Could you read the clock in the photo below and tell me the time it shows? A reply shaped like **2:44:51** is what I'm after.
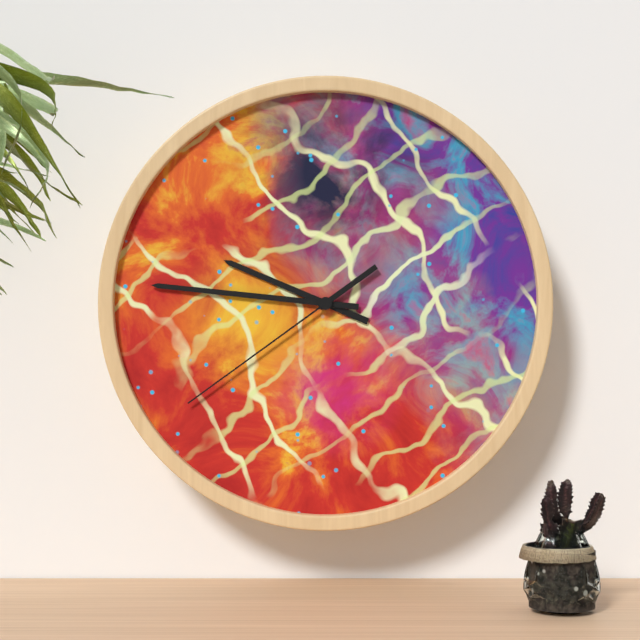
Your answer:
**9:46:39**
